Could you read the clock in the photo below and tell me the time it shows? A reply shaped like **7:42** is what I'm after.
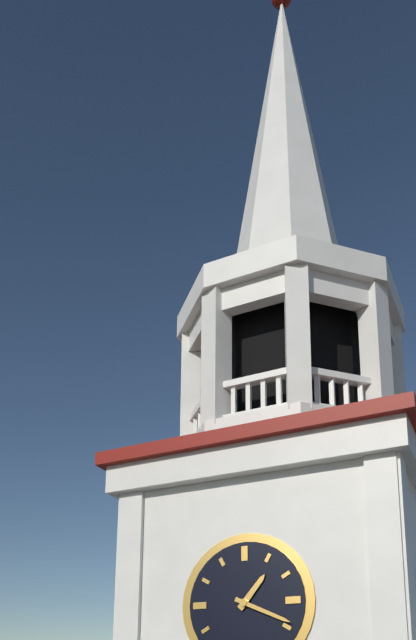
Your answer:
**1:19**
